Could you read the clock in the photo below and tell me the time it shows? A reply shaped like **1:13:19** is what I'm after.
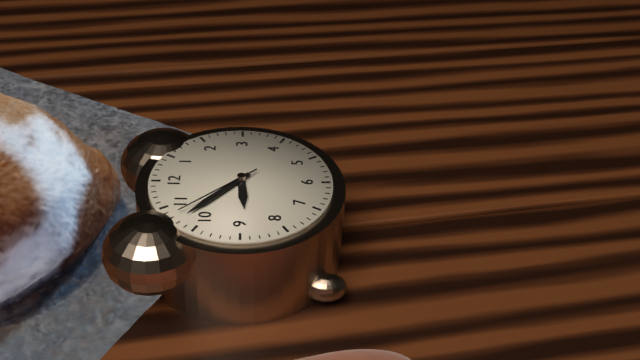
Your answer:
**8:52:53**
